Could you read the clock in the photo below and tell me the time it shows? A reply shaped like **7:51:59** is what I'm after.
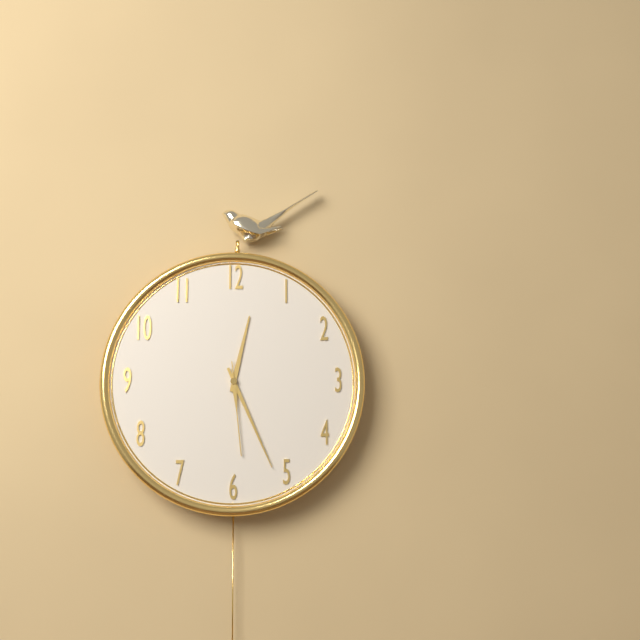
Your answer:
**12:26:29**
